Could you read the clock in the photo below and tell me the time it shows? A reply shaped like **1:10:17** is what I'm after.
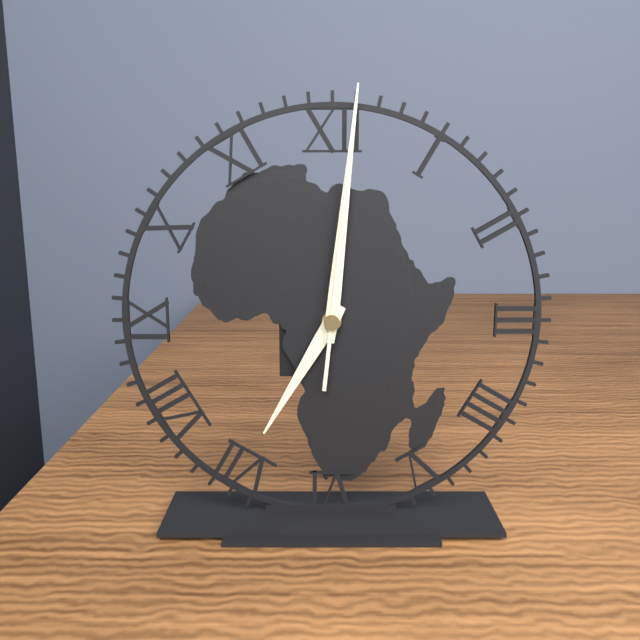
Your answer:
**7:01:01**
